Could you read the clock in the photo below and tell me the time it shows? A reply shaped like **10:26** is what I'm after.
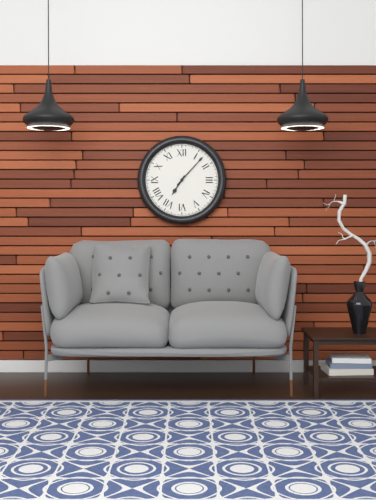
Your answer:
**7:07**
